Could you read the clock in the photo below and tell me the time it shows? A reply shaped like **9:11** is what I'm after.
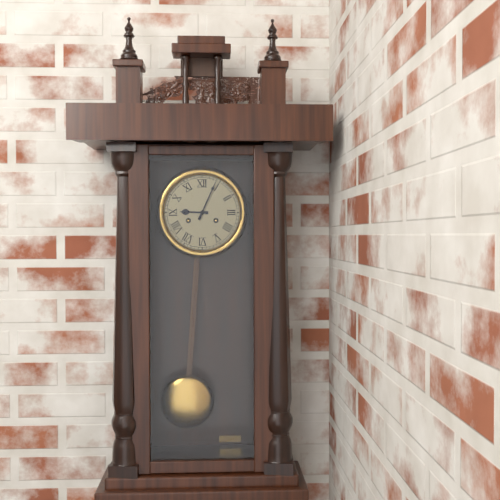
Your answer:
**9:04**
